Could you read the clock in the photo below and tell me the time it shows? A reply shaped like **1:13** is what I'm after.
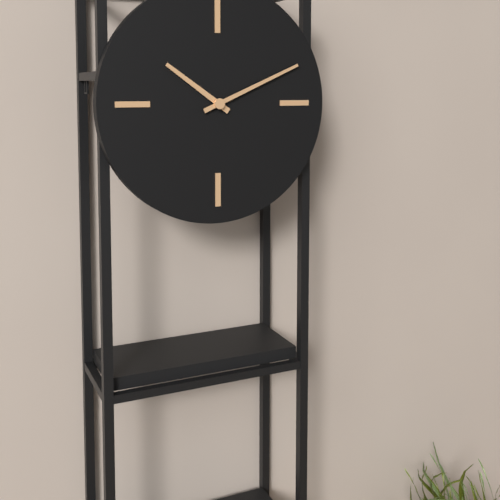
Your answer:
**10:11**
